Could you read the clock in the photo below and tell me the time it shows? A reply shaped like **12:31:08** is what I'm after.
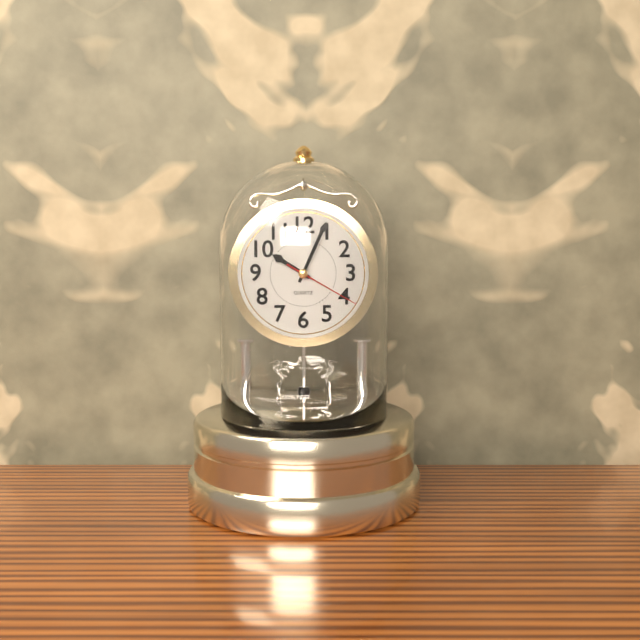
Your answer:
**10:04:20**
